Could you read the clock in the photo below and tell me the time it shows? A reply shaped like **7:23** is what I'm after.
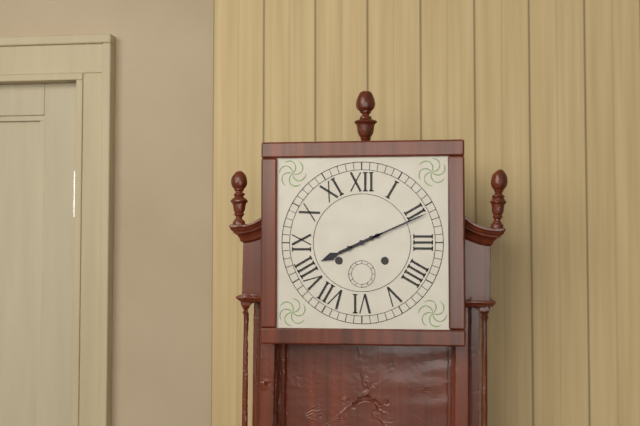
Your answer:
**8:11**
